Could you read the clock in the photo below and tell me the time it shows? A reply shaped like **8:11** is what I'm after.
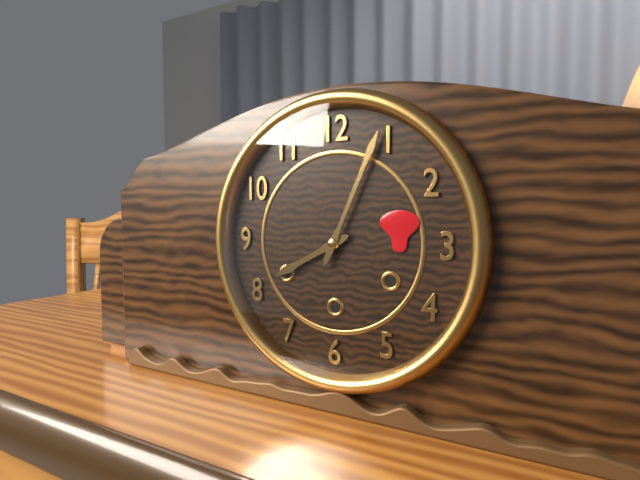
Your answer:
**8:04**
